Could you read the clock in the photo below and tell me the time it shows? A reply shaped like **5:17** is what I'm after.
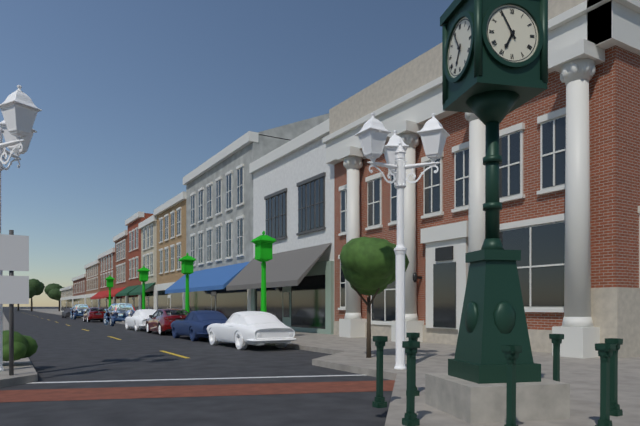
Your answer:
**6:55**
